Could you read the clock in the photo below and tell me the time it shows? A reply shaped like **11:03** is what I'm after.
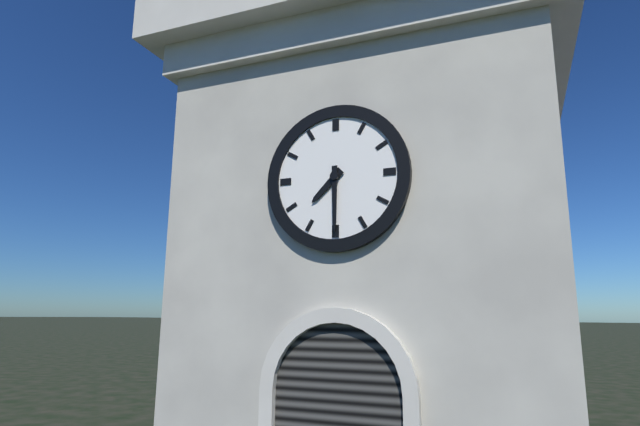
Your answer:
**7:30**
